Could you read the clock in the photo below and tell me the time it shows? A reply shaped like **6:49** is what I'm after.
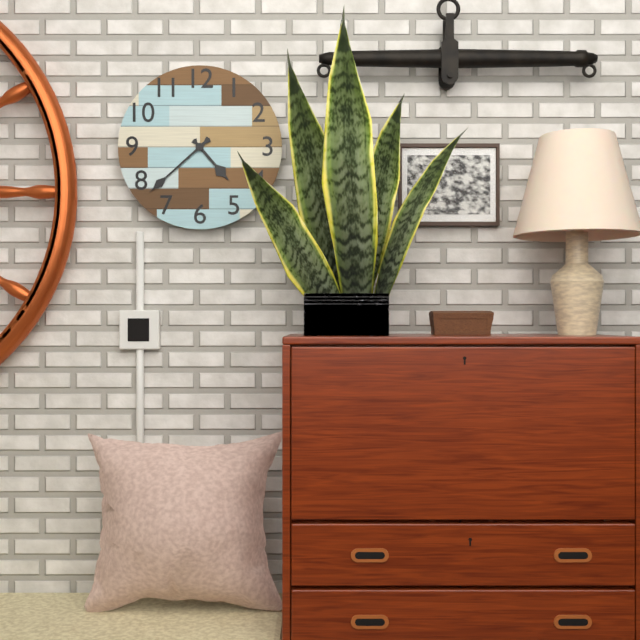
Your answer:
**4:38**
